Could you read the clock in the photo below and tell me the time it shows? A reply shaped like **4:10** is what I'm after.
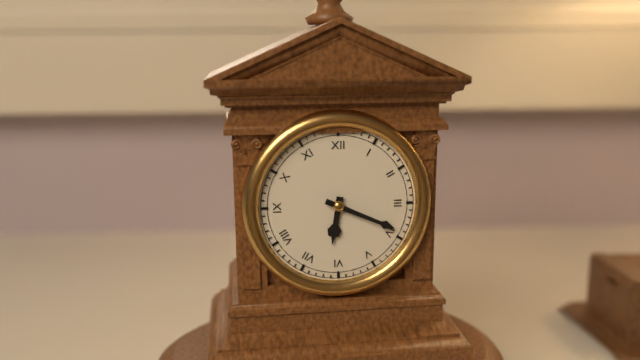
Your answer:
**6:19**
